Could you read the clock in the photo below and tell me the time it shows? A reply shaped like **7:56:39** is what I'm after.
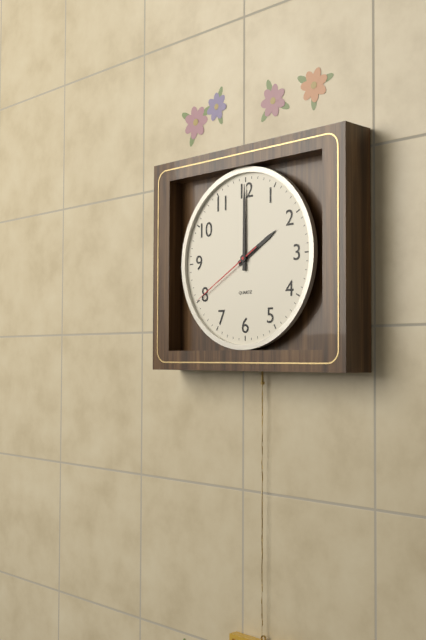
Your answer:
**2:00:40**
